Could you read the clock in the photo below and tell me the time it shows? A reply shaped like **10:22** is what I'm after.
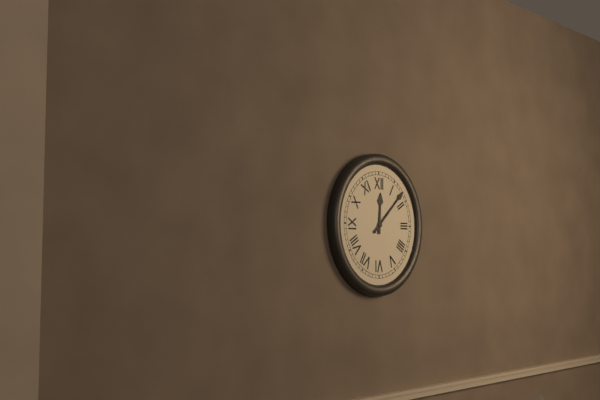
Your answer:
**12:08**
